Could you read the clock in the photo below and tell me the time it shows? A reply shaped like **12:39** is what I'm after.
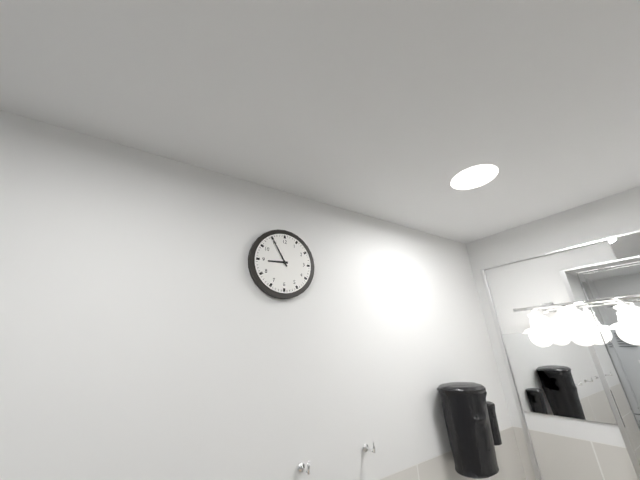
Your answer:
**8:55**
